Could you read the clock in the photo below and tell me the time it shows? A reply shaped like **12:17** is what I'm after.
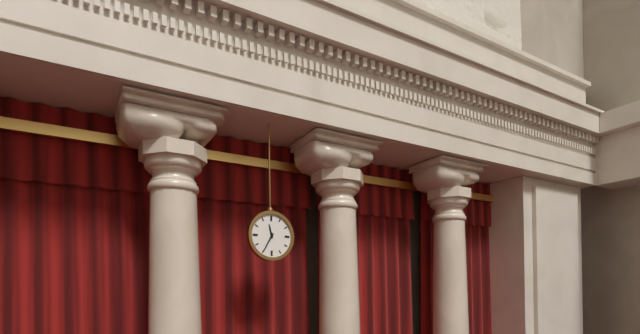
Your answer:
**11:35**
